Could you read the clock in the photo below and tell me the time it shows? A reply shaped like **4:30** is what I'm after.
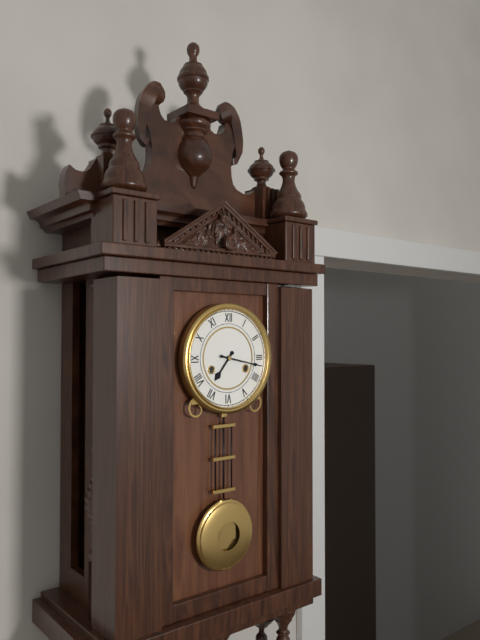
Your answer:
**7:17**
